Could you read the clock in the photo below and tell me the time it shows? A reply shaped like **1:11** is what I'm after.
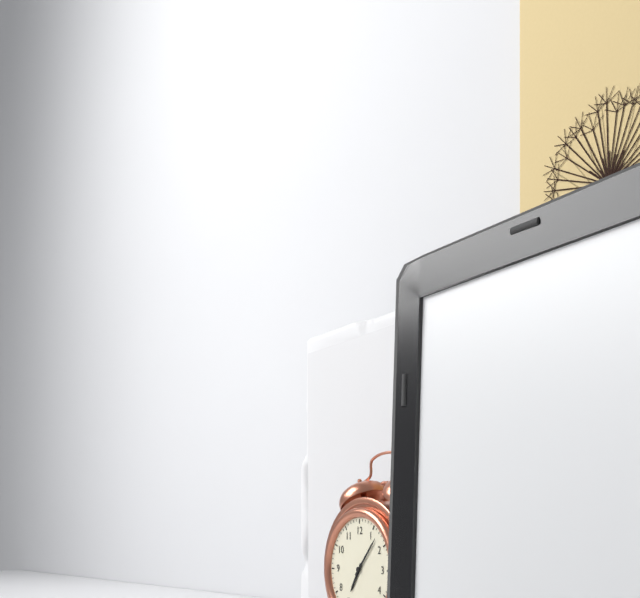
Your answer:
**7:07**
